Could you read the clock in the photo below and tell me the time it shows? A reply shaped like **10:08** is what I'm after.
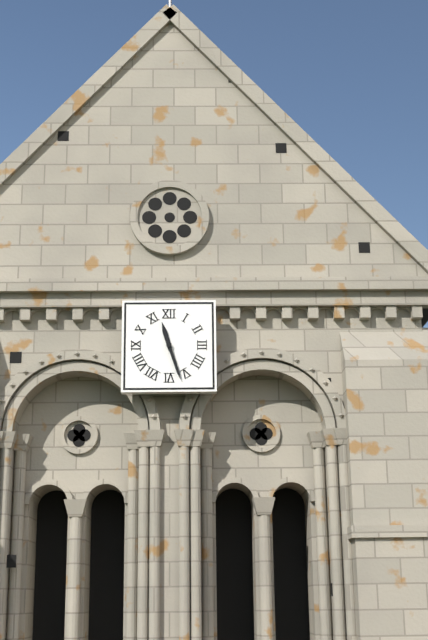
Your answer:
**11:27**
